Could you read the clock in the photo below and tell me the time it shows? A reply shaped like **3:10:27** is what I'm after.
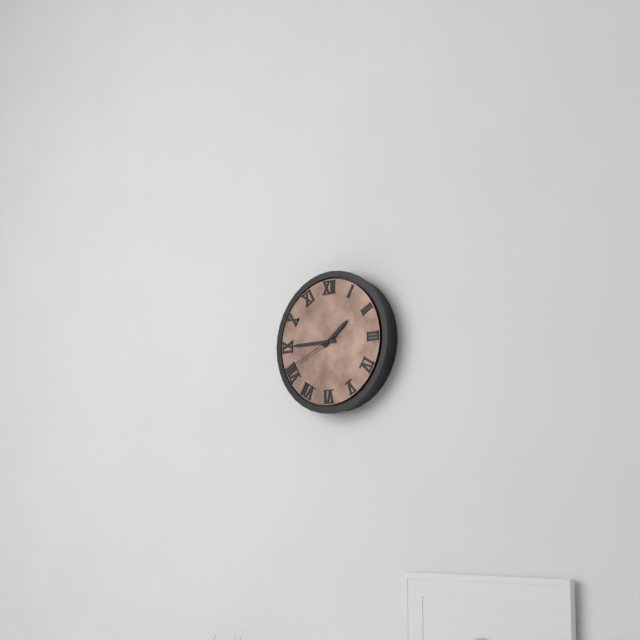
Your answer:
**1:45:41**
